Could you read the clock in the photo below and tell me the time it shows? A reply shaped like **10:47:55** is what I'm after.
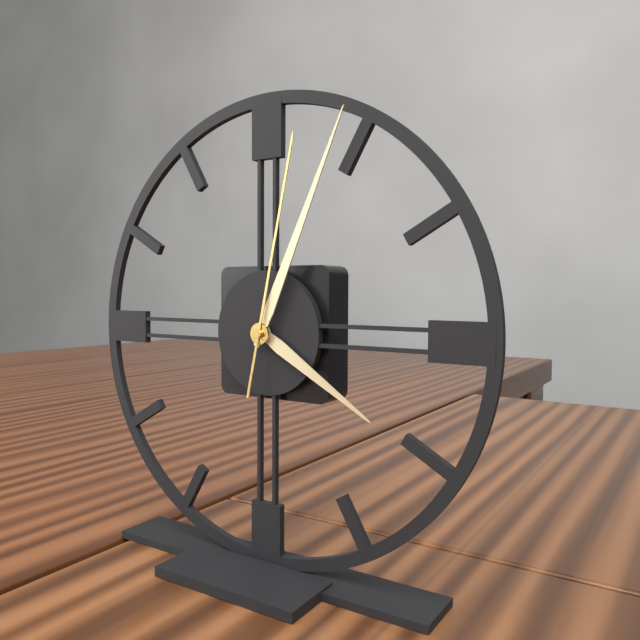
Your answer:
**4:04:02**
